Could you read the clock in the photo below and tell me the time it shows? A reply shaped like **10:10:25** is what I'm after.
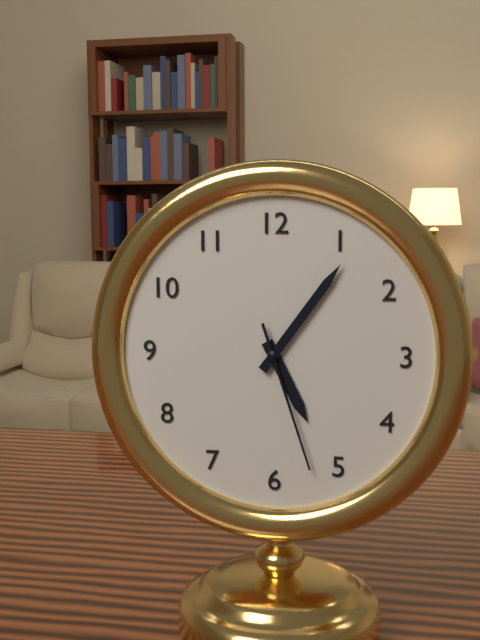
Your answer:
**5:06:27**
